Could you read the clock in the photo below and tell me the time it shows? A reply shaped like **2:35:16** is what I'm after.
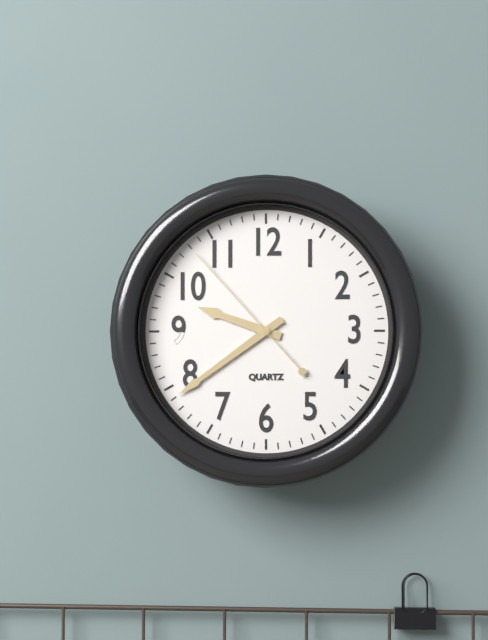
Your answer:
**9:39:53**
